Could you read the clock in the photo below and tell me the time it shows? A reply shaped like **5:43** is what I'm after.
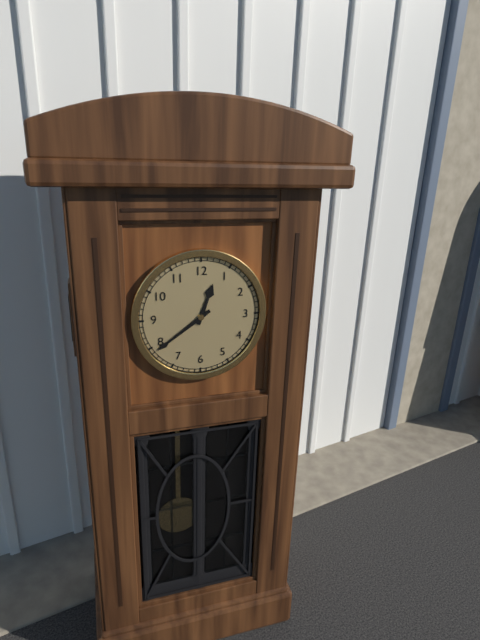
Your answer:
**12:39**
